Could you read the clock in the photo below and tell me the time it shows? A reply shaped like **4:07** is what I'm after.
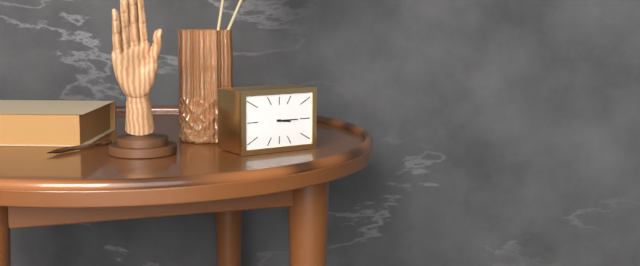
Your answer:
**3:15**
